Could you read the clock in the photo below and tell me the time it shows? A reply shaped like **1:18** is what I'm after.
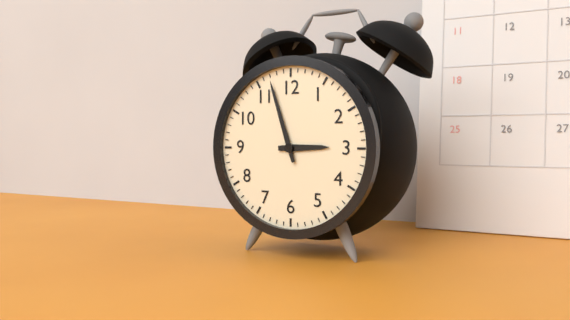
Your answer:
**2:57**
